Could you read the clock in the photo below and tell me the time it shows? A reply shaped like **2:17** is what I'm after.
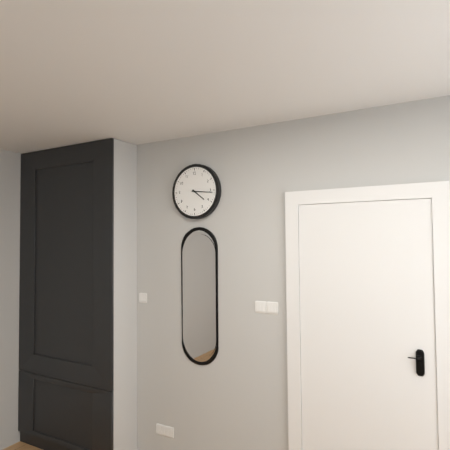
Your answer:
**4:16**
